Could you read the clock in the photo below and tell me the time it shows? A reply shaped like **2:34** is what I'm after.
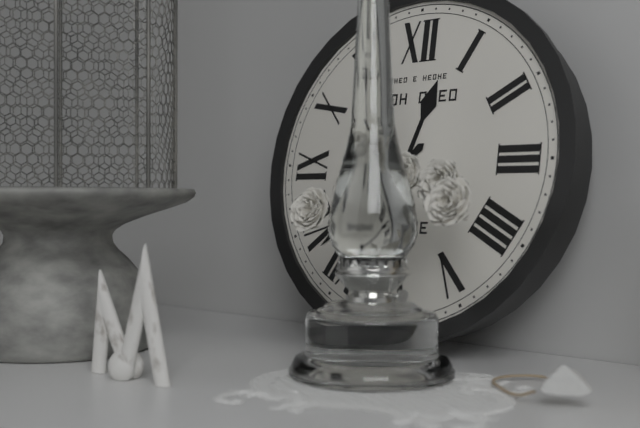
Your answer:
**12:38**
